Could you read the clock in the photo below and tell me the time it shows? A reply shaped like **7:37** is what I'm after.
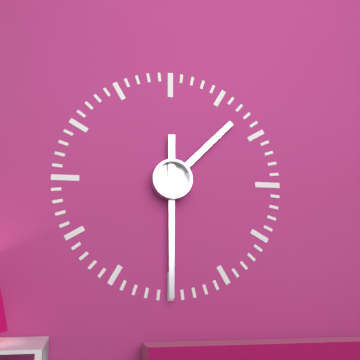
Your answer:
**1:30**
